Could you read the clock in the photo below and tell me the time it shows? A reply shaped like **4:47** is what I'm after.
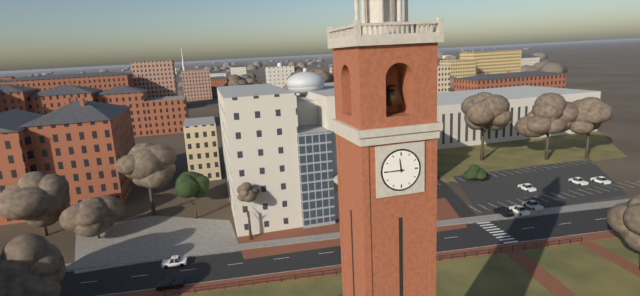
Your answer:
**11:45**
